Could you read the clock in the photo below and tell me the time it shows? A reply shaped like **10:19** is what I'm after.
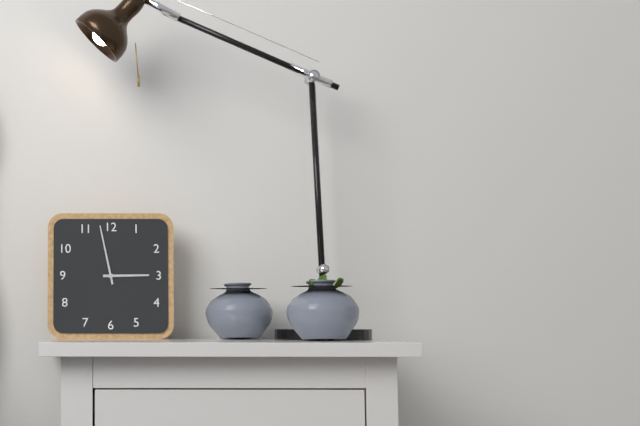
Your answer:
**2:58**
